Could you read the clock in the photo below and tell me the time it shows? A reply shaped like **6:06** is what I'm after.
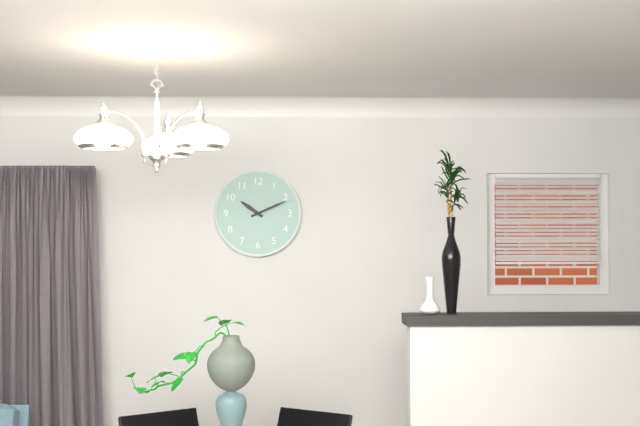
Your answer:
**10:11**
